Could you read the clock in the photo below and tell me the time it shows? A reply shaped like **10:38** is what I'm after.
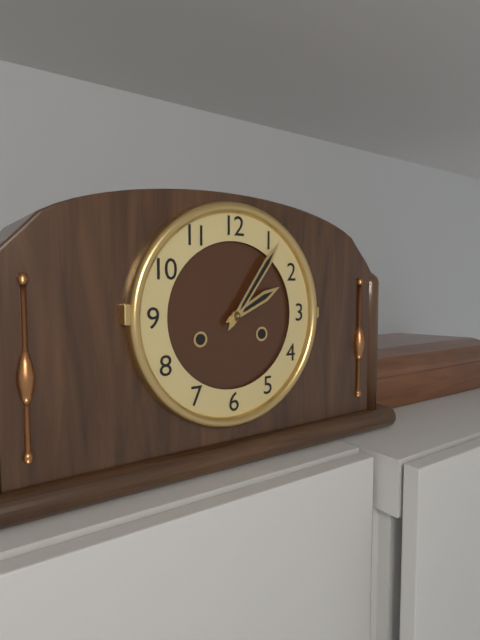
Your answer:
**2:06**
